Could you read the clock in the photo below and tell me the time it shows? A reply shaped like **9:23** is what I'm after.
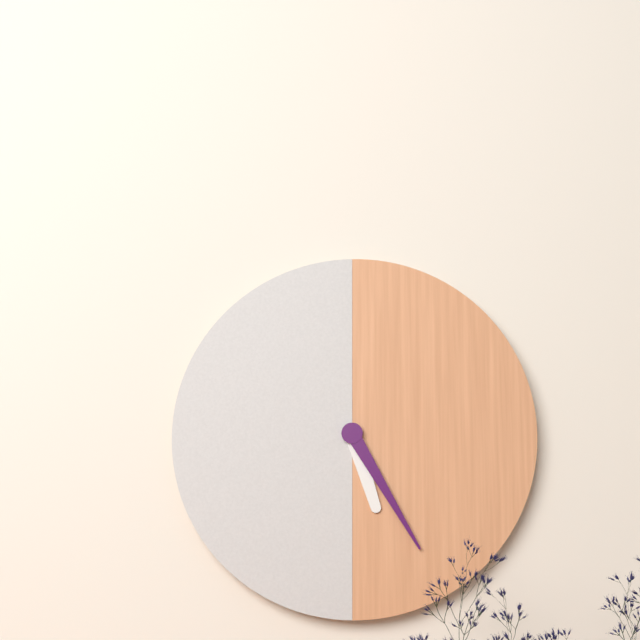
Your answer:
**5:25**
